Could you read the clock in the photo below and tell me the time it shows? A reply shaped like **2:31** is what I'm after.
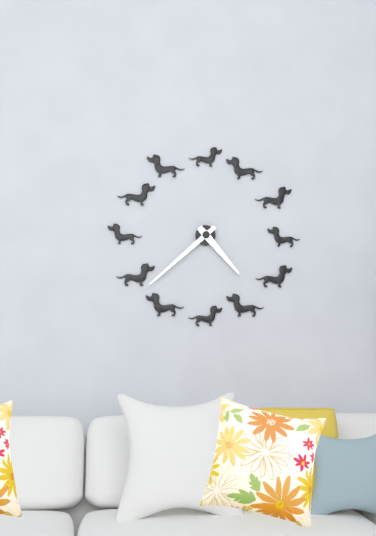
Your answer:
**4:38**
